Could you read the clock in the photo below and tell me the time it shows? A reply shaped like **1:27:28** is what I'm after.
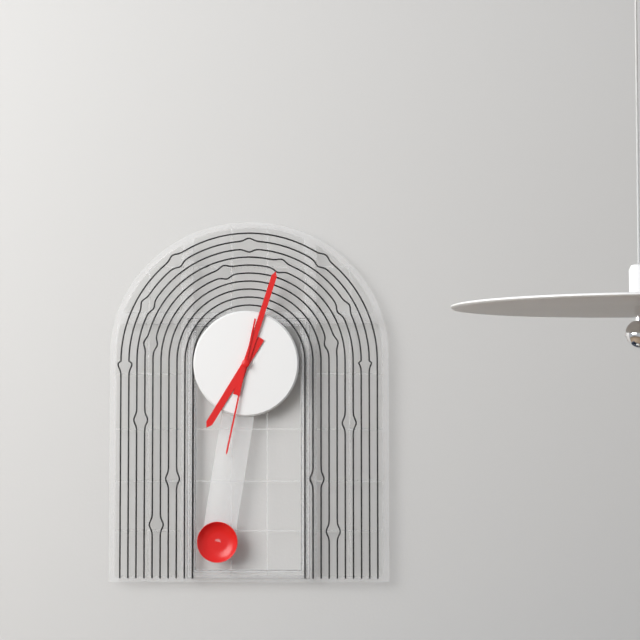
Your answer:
**7:03:32**
